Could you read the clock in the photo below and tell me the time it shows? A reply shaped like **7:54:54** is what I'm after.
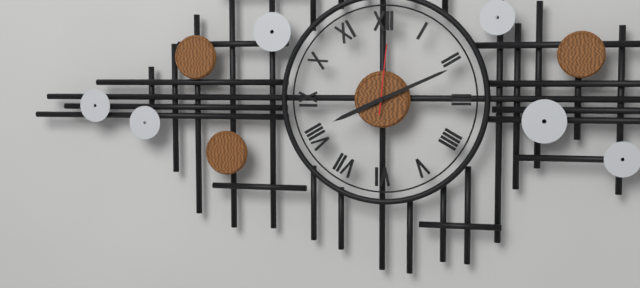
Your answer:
**8:11:01**
